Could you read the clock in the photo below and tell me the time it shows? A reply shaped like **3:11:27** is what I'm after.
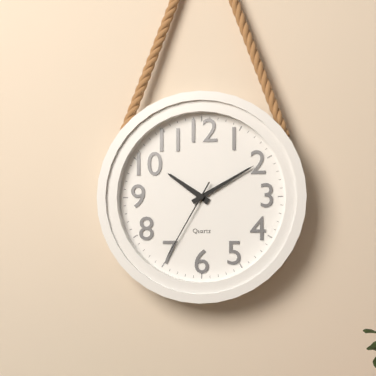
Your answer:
**10:10:35**
